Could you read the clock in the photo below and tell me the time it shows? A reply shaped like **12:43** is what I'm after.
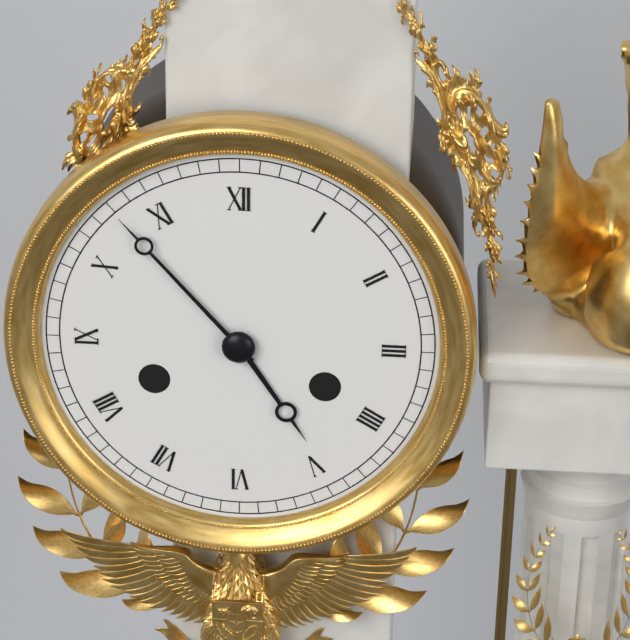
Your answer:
**4:53**
